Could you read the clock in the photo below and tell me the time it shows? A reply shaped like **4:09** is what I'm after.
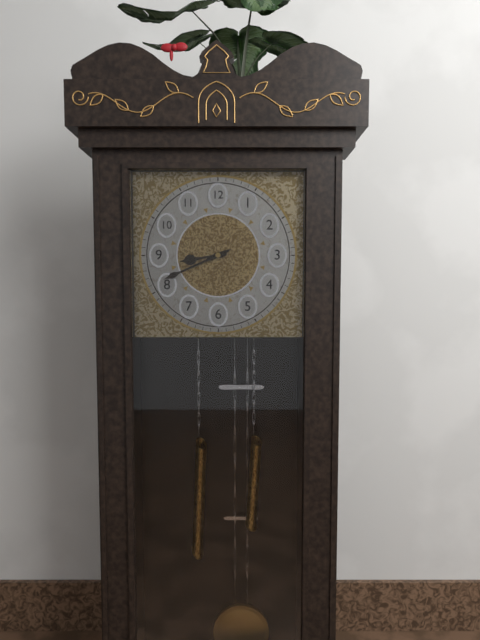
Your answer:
**8:41**
